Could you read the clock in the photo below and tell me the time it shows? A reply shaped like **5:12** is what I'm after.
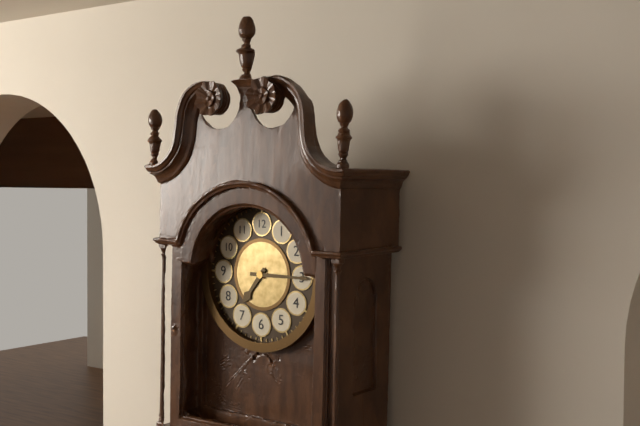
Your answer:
**7:15**
